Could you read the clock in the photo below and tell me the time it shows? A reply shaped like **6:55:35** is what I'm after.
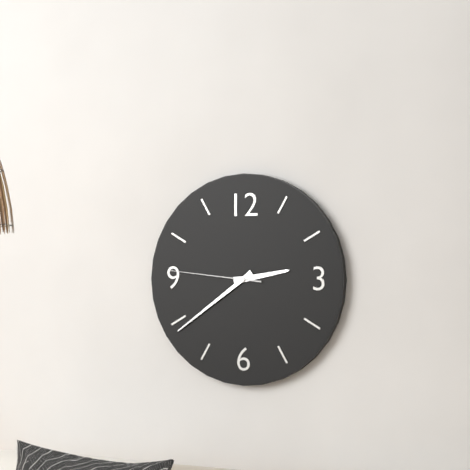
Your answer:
**2:39:46**
